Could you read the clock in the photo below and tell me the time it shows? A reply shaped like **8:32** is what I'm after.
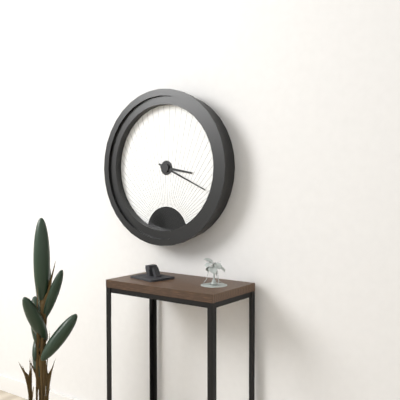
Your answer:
**3:19**
